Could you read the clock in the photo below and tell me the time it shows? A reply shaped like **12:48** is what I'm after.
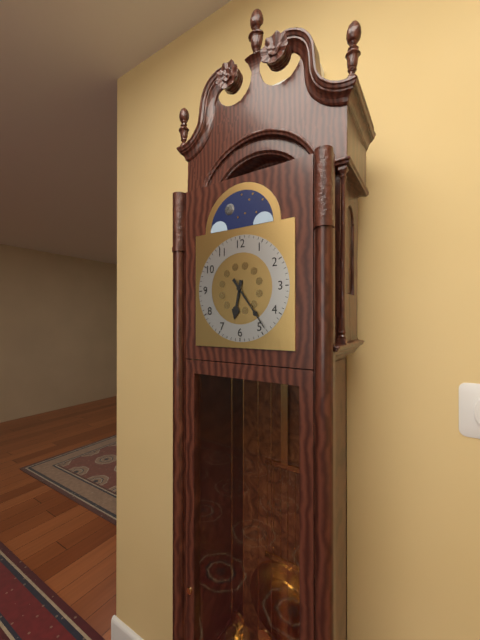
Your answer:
**6:24**
